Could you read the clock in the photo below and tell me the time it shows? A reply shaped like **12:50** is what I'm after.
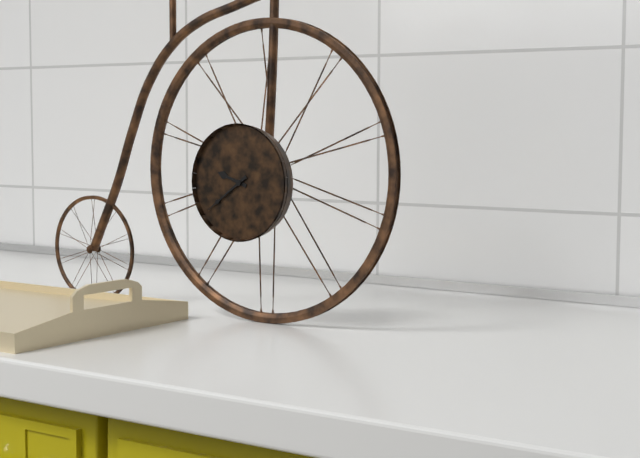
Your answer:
**9:39**
